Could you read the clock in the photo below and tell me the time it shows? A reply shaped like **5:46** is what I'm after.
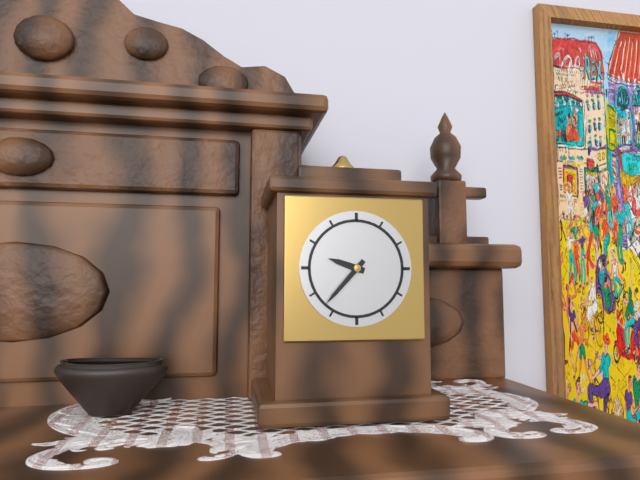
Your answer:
**9:37**
